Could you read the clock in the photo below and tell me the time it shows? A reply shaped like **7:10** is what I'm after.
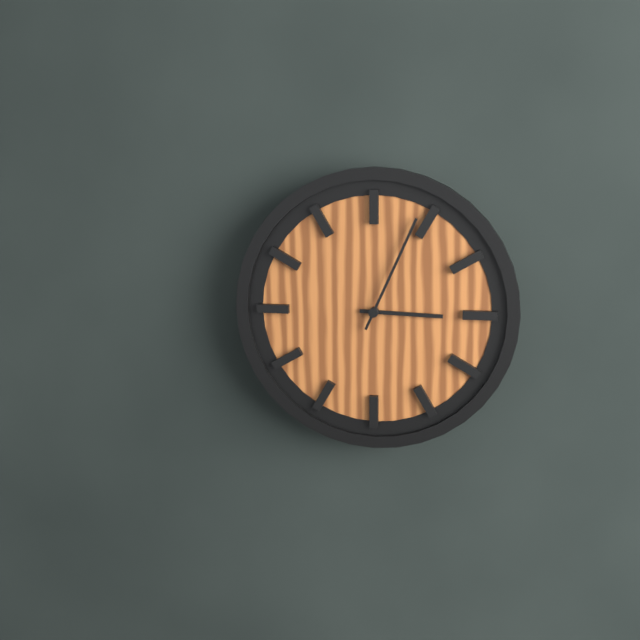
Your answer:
**3:04**
